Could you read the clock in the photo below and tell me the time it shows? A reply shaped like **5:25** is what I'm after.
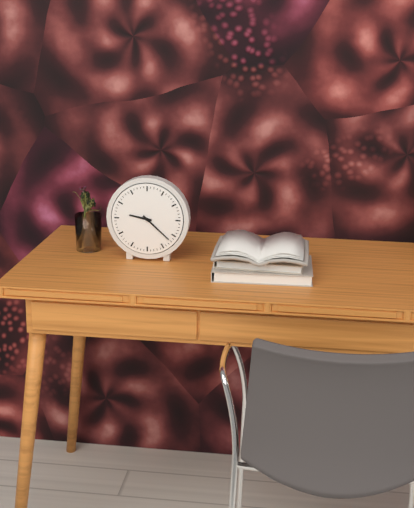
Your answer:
**9:22**
